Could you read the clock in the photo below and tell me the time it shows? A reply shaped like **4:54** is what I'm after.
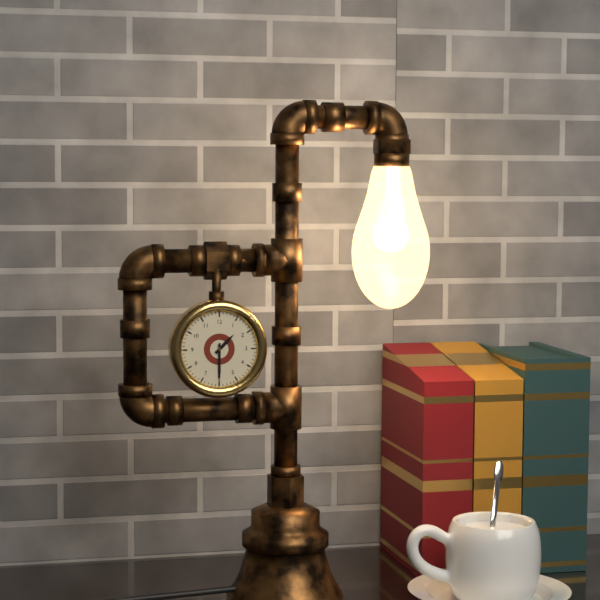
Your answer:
**1:30**
